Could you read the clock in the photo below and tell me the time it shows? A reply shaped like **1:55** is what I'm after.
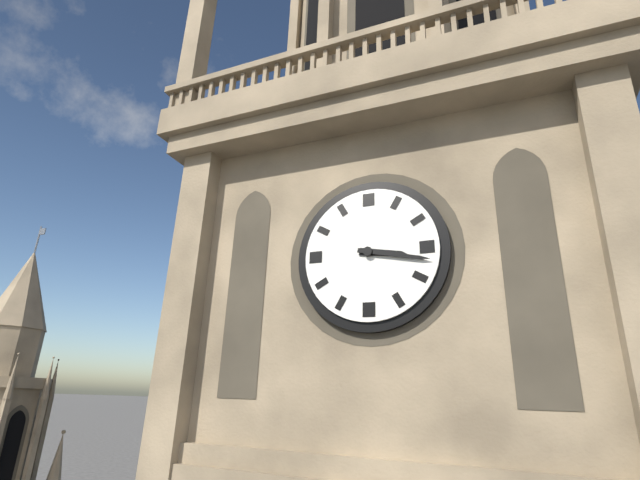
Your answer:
**3:17**
